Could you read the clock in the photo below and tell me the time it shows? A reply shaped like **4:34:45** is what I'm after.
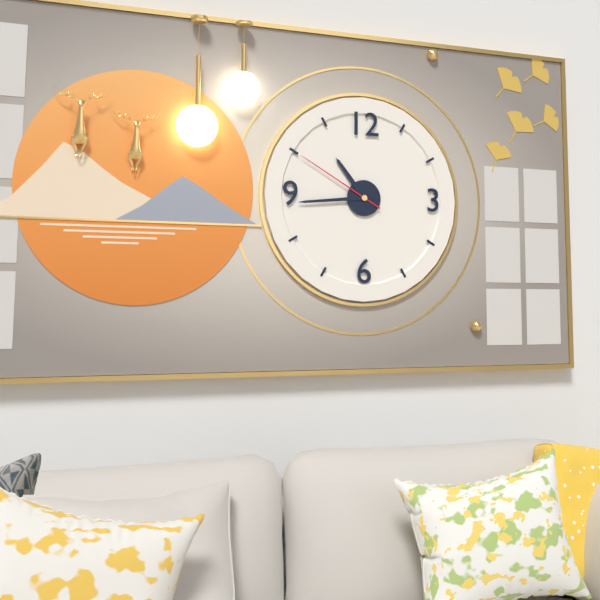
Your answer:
**10:44:50**
